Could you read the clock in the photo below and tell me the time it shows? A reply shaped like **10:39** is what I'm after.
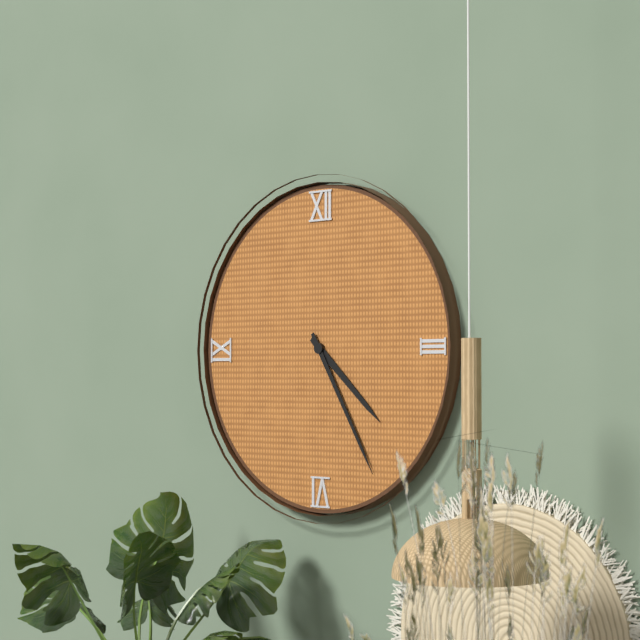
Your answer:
**4:25**
